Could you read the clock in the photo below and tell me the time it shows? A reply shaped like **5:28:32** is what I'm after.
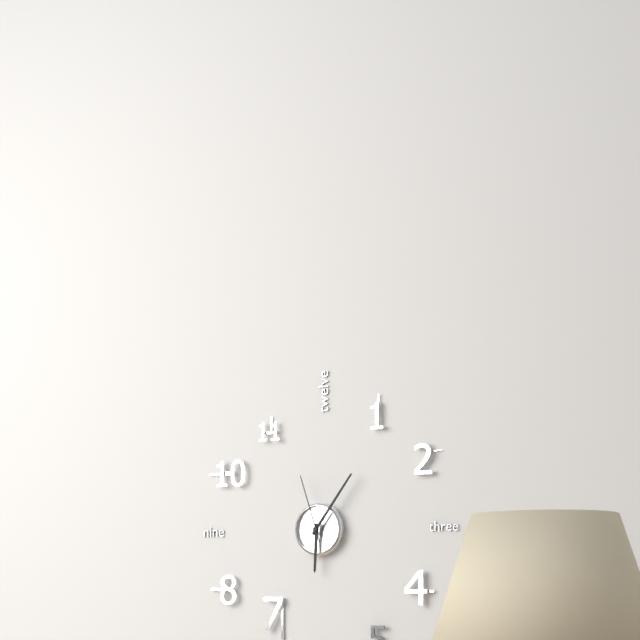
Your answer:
**6:06:57**
